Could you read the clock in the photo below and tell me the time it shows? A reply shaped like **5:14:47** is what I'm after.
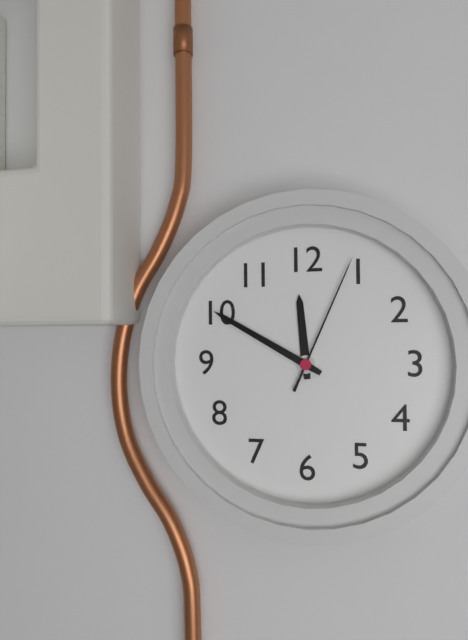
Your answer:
**11:50:04**
